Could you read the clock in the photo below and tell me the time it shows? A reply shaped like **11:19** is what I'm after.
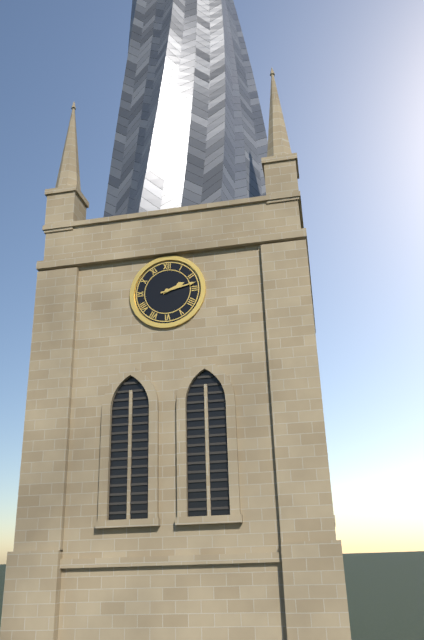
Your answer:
**2:13**
